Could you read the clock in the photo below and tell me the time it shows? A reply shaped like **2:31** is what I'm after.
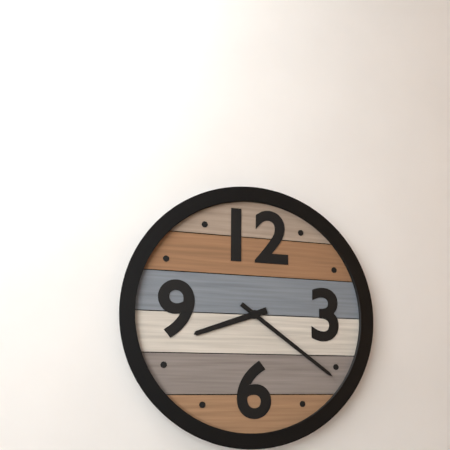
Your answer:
**8:21**
